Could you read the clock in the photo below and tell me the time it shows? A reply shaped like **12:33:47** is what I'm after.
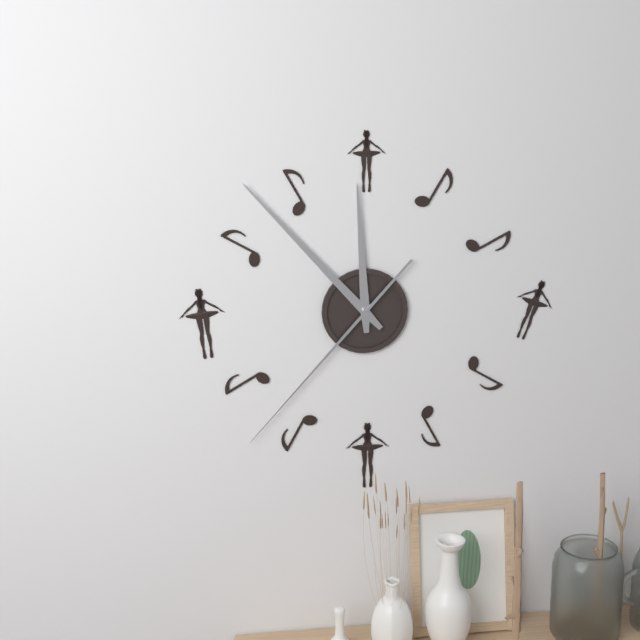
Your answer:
**11:53:37**
